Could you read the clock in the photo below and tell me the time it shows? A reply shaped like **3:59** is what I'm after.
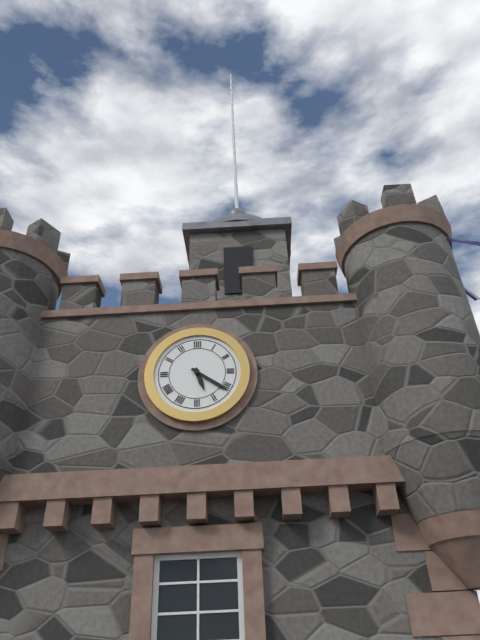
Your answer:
**5:21**
